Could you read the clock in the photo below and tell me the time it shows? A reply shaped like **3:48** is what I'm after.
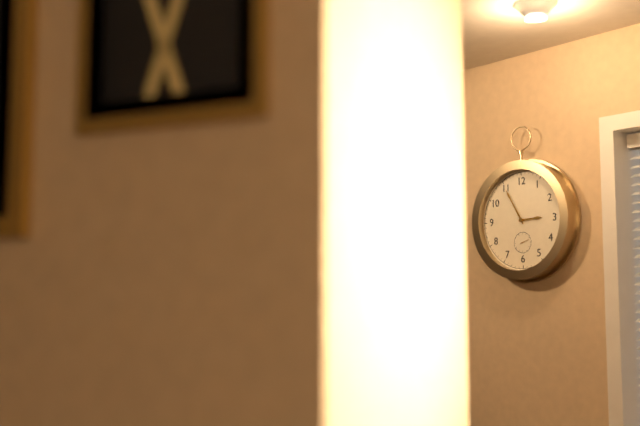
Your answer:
**2:55**
